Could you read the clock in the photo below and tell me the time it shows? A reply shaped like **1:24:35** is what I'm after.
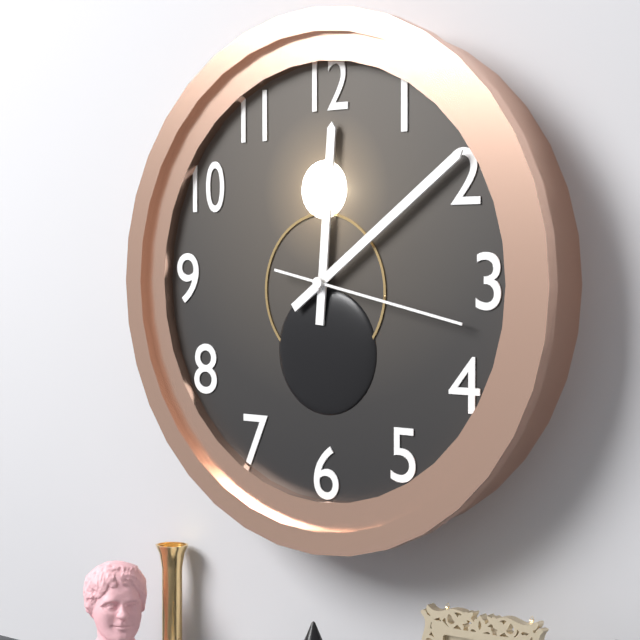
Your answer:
**12:09:17**
